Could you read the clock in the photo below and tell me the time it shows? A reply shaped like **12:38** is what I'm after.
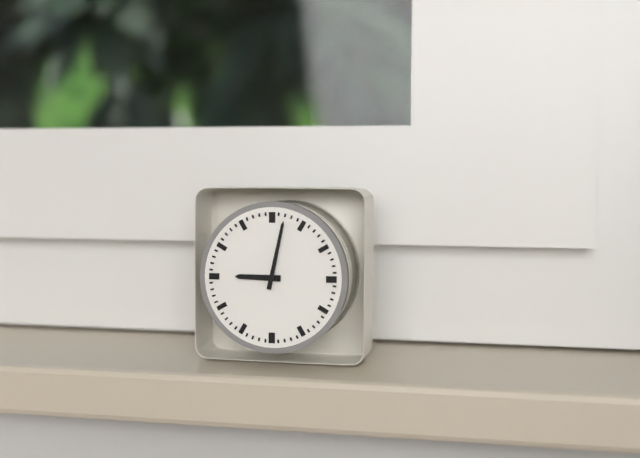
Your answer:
**9:02**
